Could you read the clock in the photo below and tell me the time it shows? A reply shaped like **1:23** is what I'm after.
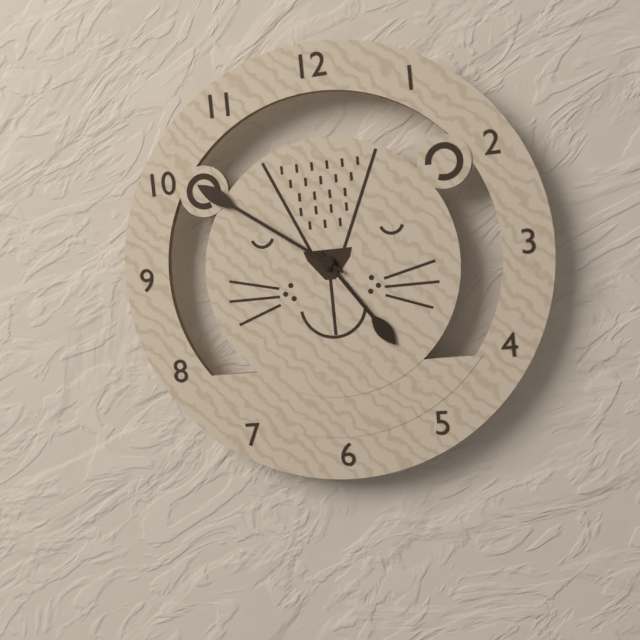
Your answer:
**4:51**
